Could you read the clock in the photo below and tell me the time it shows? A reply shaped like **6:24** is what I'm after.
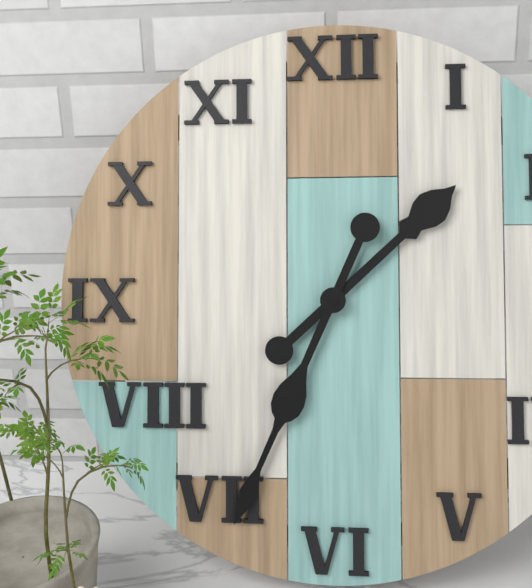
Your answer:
**1:34**
